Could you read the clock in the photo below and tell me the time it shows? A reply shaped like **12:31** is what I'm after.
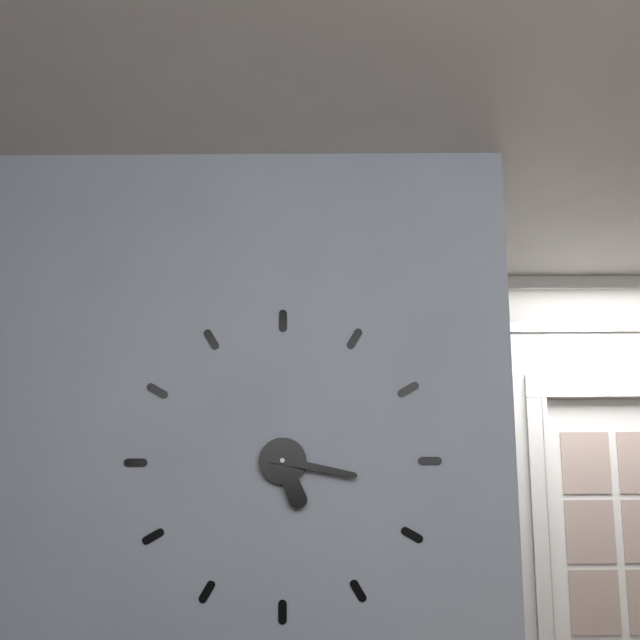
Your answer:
**5:17**
